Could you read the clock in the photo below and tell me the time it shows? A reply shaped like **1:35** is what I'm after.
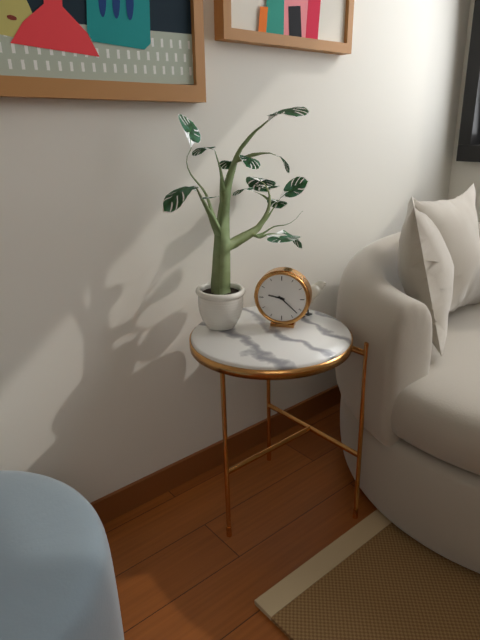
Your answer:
**9:22**
